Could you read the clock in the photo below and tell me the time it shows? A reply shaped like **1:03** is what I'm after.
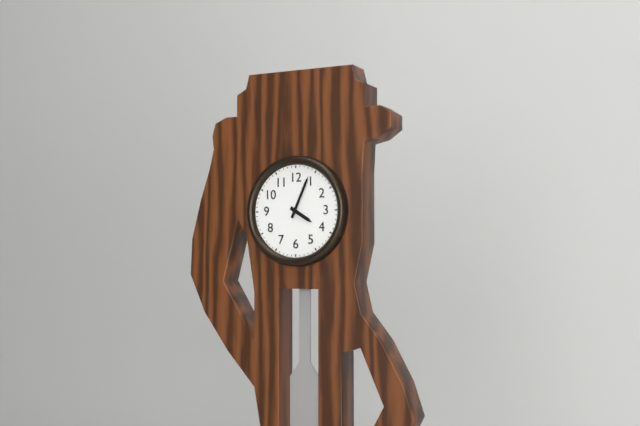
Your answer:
**4:04**
